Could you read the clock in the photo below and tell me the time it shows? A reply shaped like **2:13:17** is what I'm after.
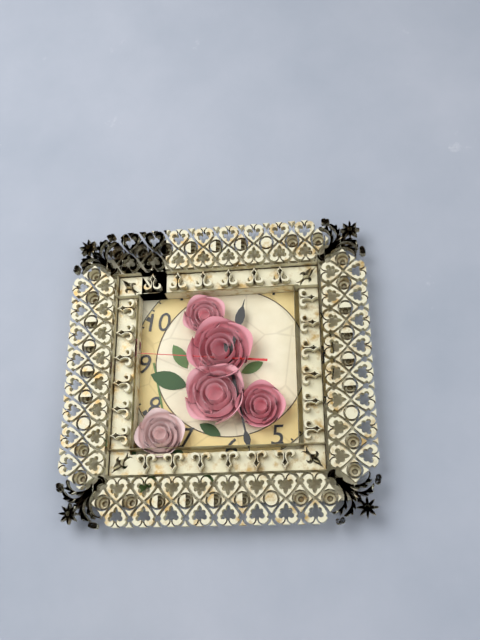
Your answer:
**12:28:46**
